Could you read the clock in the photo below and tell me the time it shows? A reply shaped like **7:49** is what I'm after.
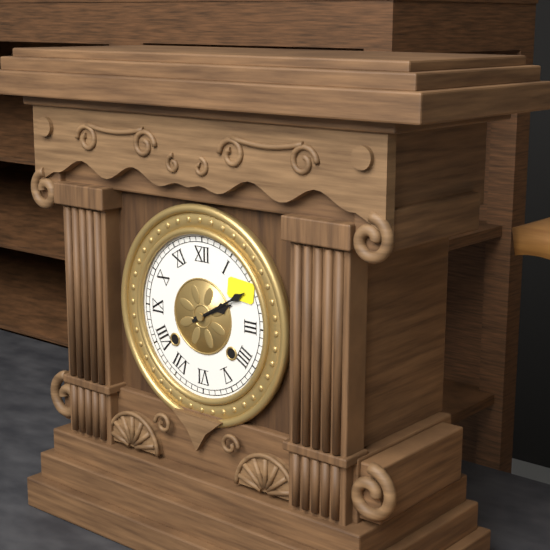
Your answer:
**2:10**
